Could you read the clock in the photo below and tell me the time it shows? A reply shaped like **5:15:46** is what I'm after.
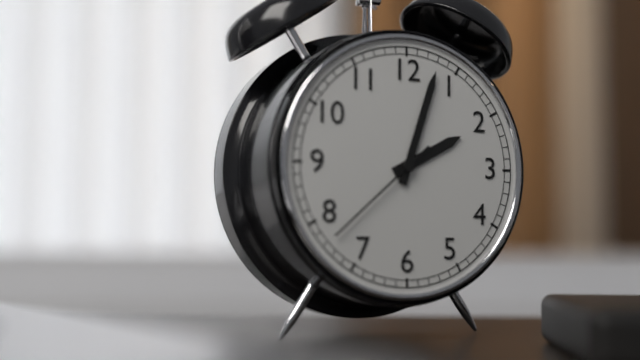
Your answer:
**2:03:38**
